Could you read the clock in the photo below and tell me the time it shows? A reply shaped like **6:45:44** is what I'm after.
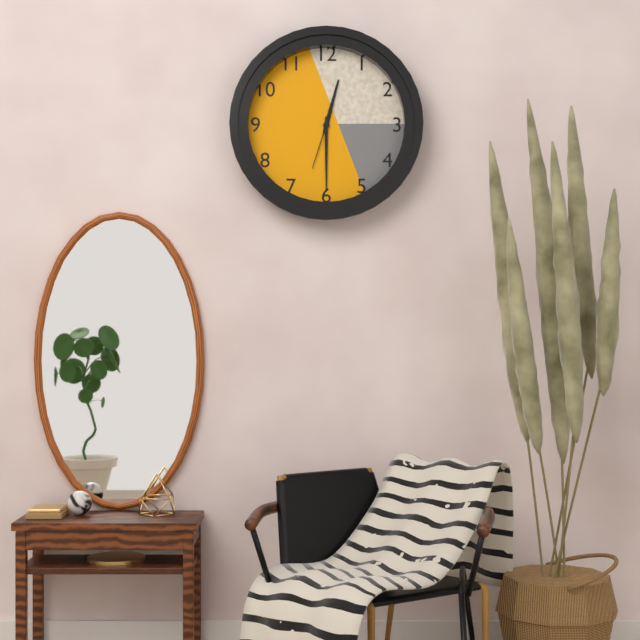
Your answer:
**12:30:33**
